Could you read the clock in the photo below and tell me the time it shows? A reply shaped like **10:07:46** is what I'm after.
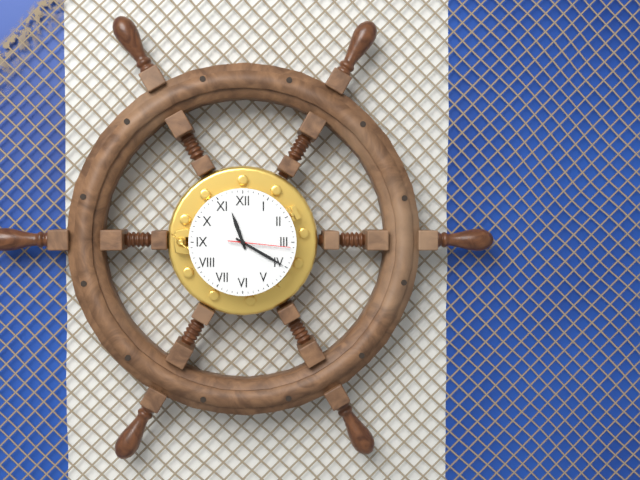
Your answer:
**11:20:16**
